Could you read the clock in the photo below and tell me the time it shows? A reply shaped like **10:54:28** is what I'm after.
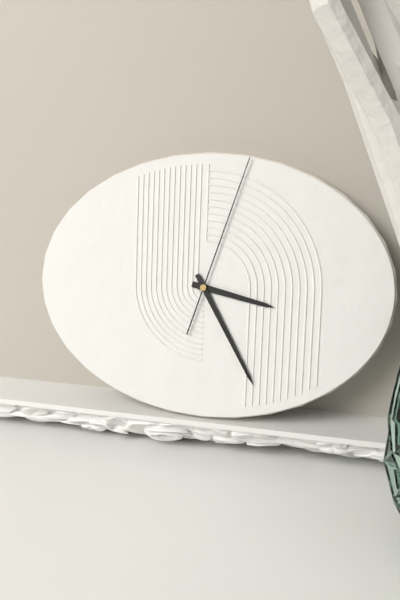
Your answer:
**3:25:03**
